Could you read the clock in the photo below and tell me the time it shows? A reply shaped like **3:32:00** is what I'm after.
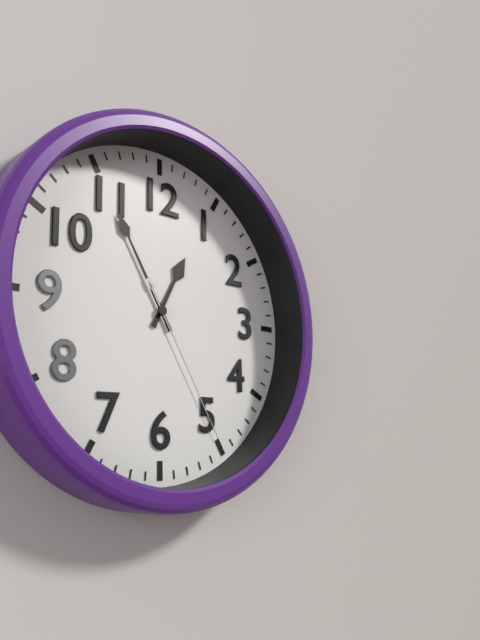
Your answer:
**12:55:25**
